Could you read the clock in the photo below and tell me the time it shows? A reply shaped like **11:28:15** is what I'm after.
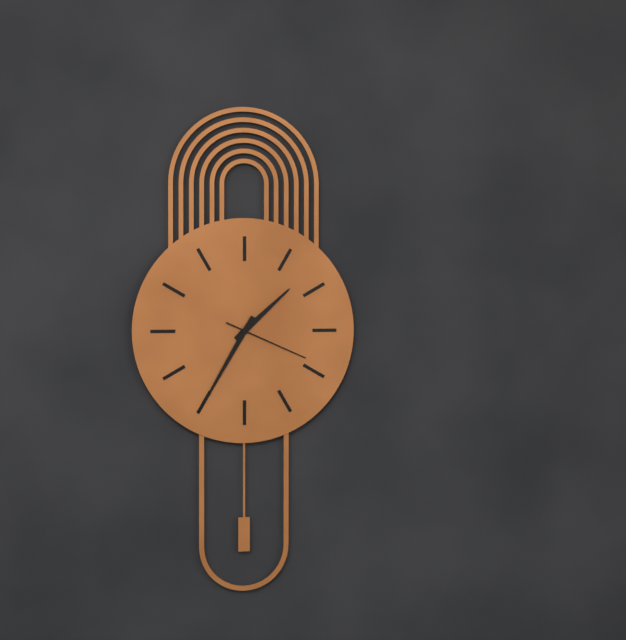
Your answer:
**1:35:19**
